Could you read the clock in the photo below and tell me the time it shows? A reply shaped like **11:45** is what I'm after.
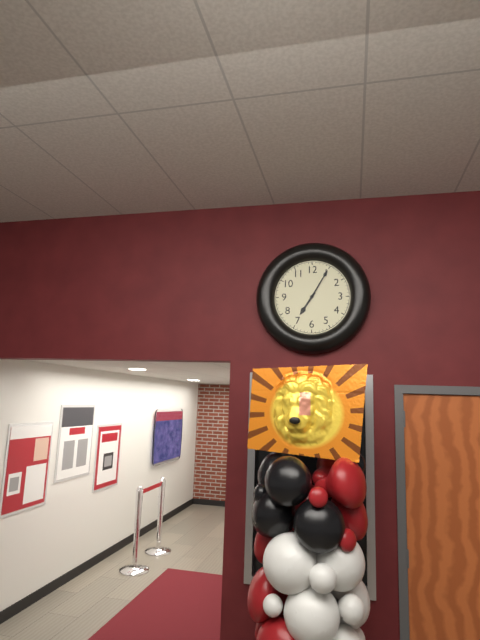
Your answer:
**7:05**
